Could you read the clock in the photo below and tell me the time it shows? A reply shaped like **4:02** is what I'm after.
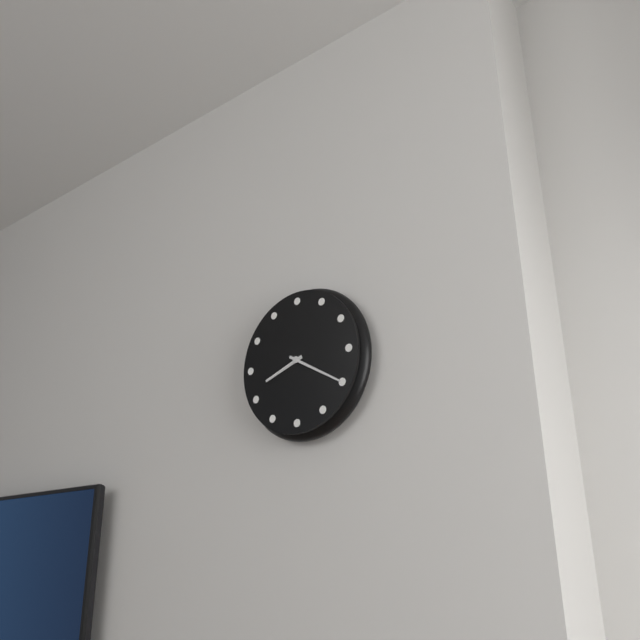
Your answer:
**8:20**
